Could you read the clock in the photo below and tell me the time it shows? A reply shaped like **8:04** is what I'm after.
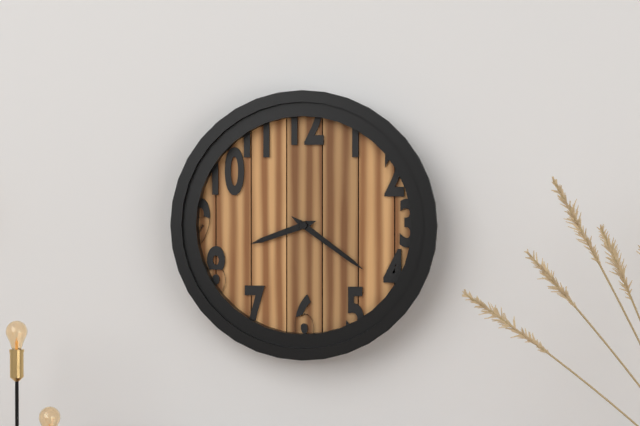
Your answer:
**8:21**
